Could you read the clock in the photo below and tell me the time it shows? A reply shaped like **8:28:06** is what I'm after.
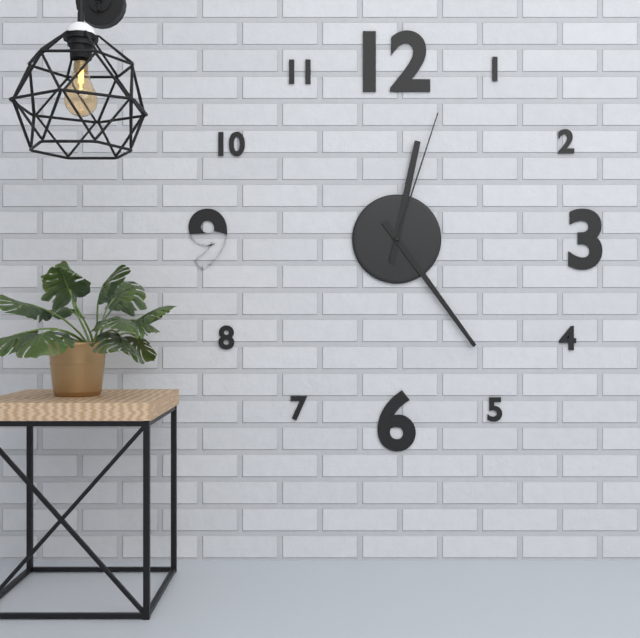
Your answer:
**12:24:03**
